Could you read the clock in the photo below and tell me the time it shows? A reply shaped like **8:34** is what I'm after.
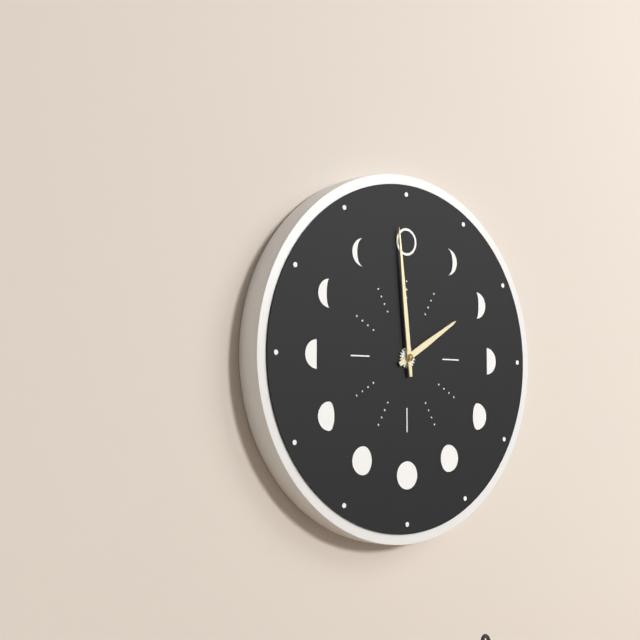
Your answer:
**1:59**
